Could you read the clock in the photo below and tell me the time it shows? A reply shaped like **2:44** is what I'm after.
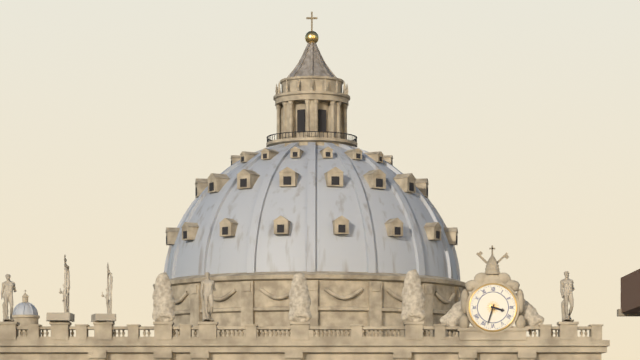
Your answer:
**3:33**
